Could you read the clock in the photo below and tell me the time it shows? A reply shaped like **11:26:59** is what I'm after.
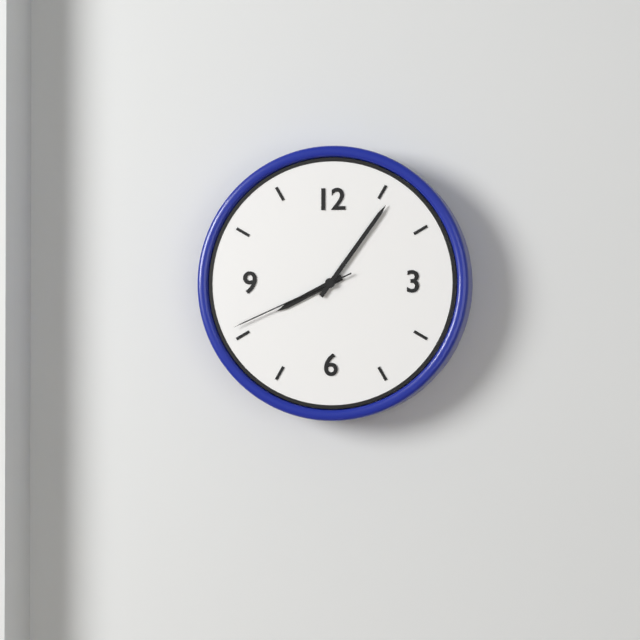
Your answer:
**8:06:41**
